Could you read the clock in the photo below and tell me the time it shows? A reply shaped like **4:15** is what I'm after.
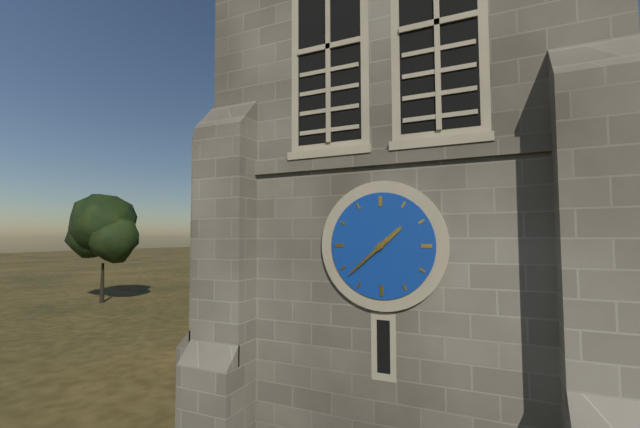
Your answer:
**1:38**
